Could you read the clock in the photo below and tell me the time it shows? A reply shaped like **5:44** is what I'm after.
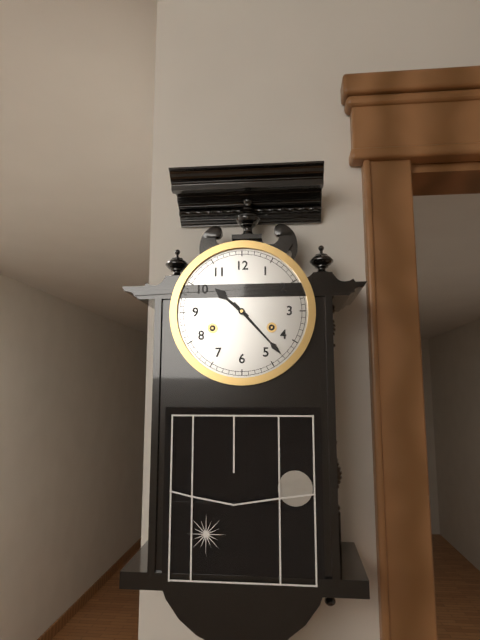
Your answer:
**10:23**
